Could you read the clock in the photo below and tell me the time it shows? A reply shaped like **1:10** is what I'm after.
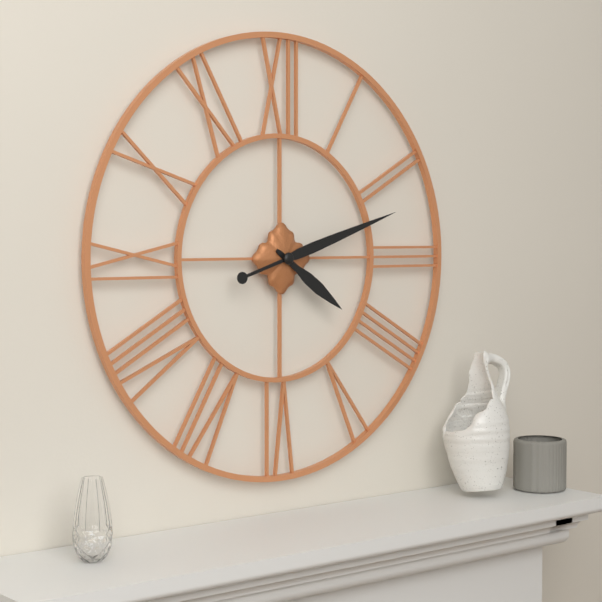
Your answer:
**4:12**
